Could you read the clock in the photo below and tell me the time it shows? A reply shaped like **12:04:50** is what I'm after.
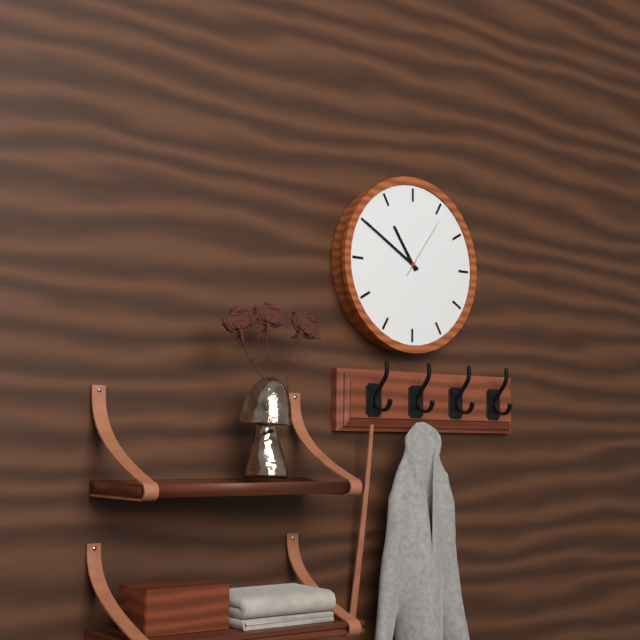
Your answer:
**10:50:06**
